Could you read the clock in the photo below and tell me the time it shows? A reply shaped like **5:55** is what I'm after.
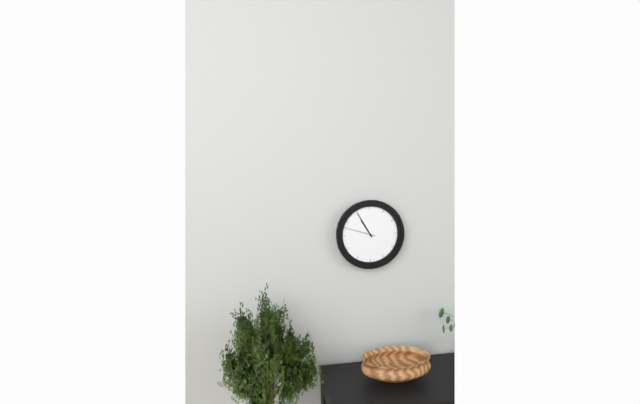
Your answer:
**10:55**
